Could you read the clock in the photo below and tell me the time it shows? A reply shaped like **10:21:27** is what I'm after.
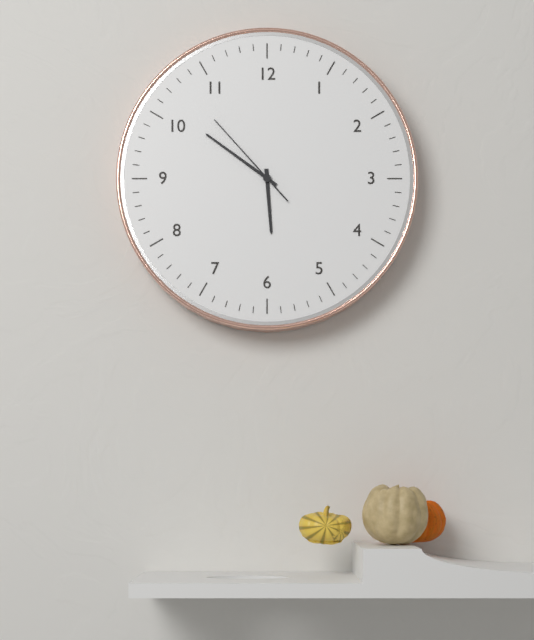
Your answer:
**5:51:53**
